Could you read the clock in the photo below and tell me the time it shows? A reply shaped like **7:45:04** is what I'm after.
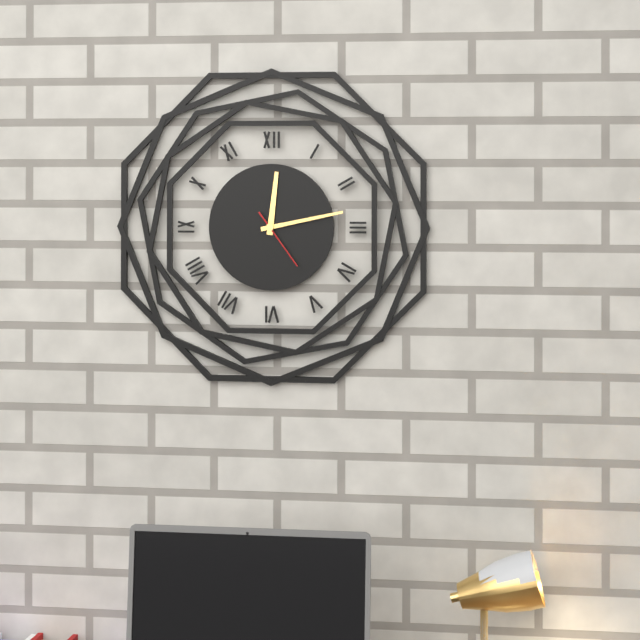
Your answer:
**12:13:24**
